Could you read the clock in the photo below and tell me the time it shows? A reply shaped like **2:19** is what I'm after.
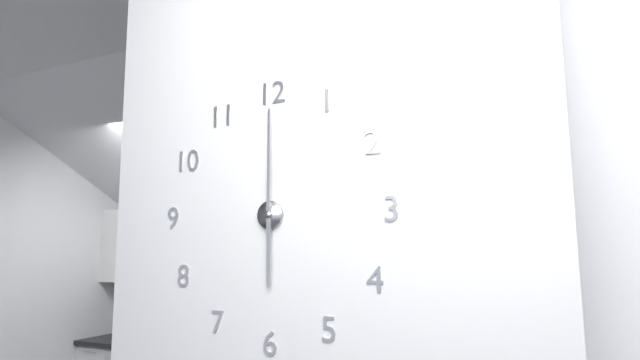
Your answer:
**6:00**
